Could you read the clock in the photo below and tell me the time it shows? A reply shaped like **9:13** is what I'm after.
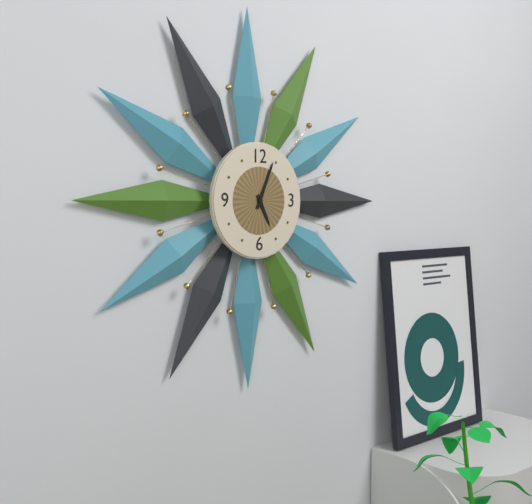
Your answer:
**5:04**
